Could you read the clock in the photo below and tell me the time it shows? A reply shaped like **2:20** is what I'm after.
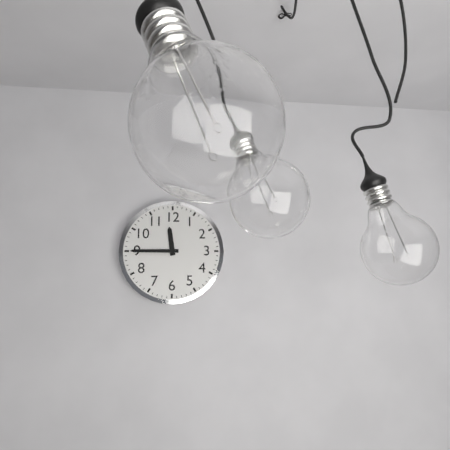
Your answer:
**11:45**
